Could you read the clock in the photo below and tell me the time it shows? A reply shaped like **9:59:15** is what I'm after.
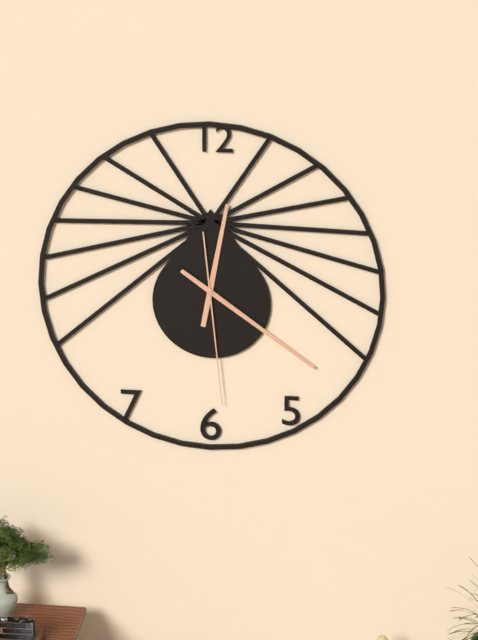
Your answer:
**12:21:29**
